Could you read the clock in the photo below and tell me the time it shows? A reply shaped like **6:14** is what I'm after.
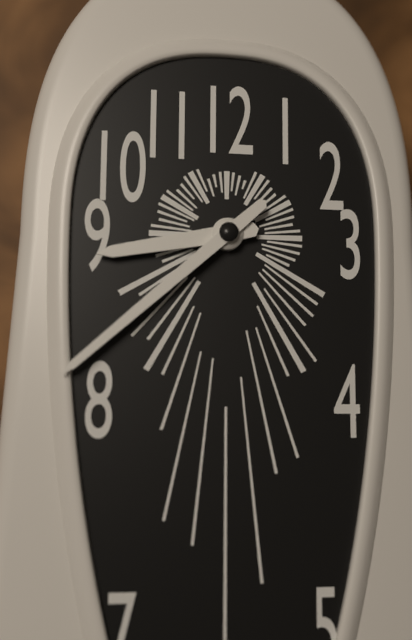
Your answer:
**8:38**
